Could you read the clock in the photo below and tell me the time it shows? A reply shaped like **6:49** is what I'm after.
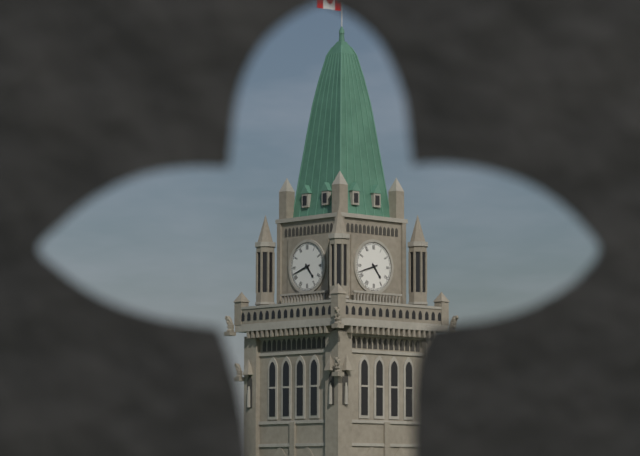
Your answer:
**4:42**
